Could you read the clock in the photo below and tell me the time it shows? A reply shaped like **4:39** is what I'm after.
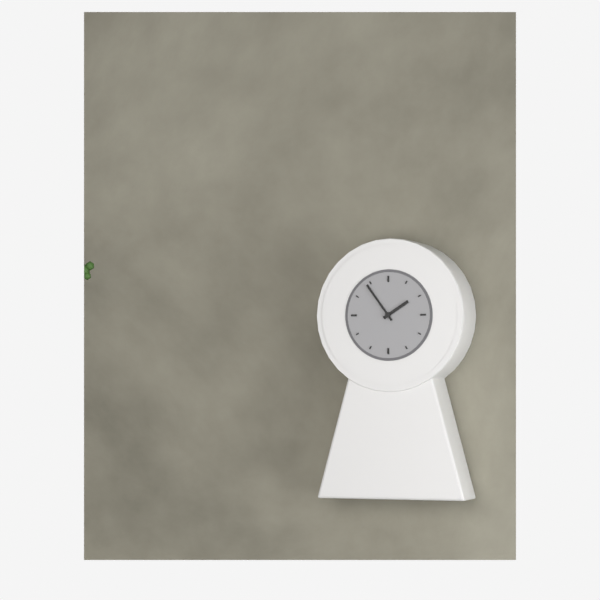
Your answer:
**1:54**
